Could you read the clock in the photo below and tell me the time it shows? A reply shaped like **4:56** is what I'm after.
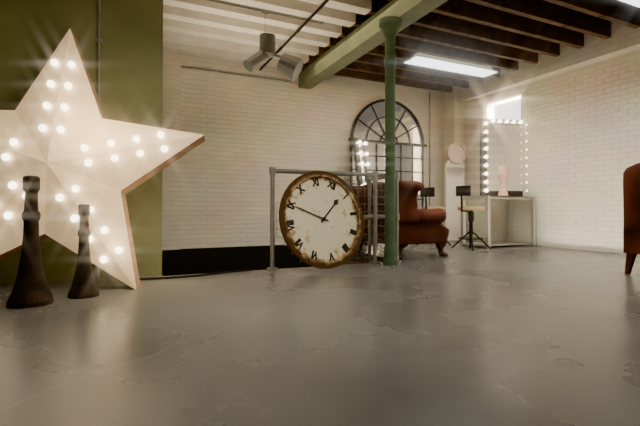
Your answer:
**12:45**
